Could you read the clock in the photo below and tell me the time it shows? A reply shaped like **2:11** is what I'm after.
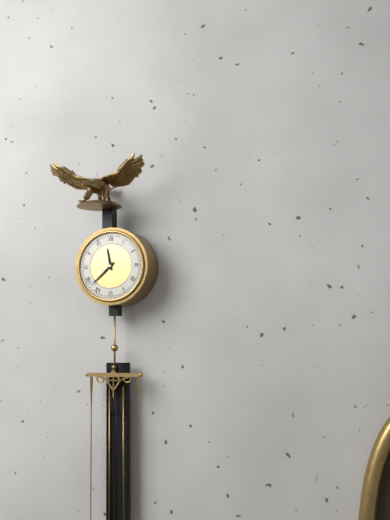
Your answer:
**11:38**
